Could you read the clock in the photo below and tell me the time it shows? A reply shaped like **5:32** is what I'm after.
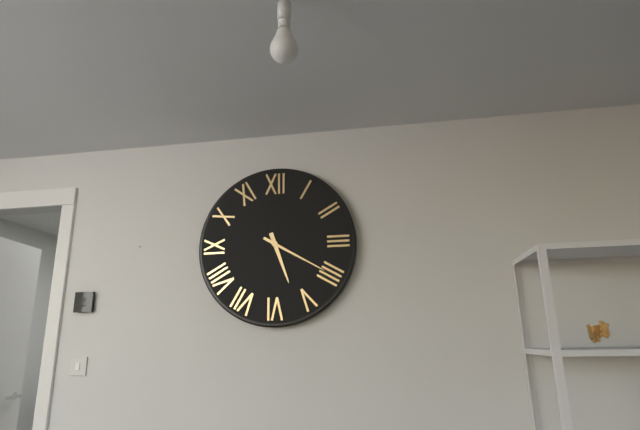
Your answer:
**5:20**
